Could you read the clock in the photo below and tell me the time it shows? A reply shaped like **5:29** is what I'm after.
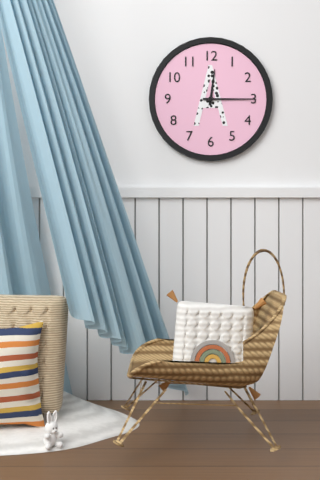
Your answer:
**12:15**
